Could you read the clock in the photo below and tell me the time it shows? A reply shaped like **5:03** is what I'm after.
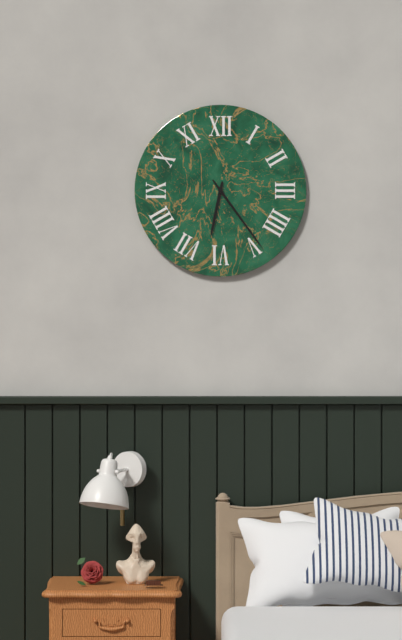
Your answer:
**6:24**
